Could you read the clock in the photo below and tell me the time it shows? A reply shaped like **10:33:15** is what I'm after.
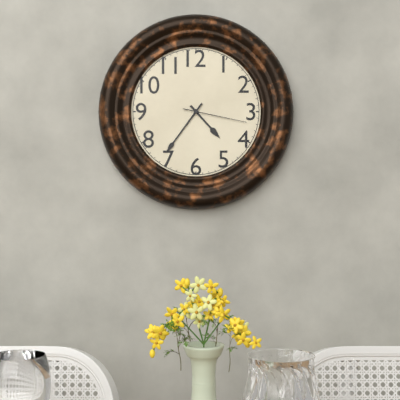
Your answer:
**4:36:17**
